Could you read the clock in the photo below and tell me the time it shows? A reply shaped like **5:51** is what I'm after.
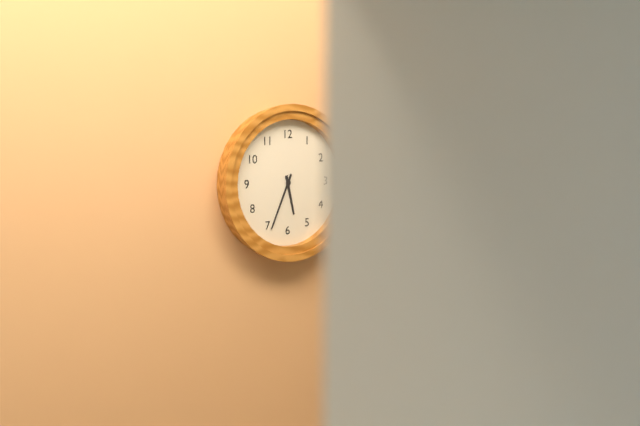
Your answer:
**5:34**
